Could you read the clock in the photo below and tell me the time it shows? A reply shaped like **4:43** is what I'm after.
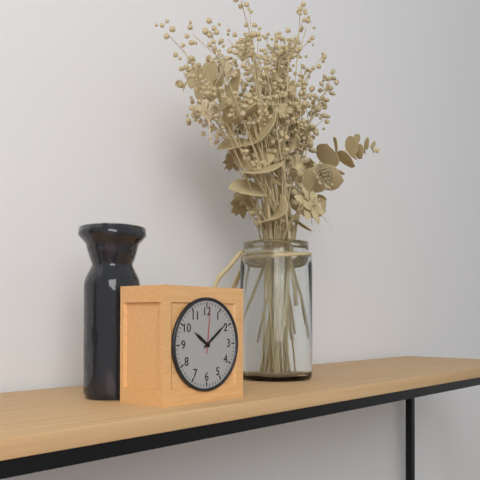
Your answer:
**10:09**
